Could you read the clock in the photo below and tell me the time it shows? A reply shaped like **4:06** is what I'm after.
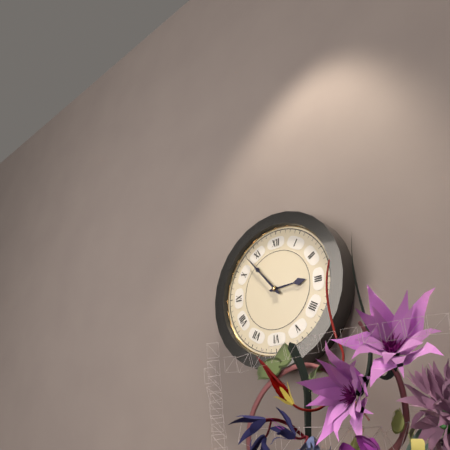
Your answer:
**2:53**
